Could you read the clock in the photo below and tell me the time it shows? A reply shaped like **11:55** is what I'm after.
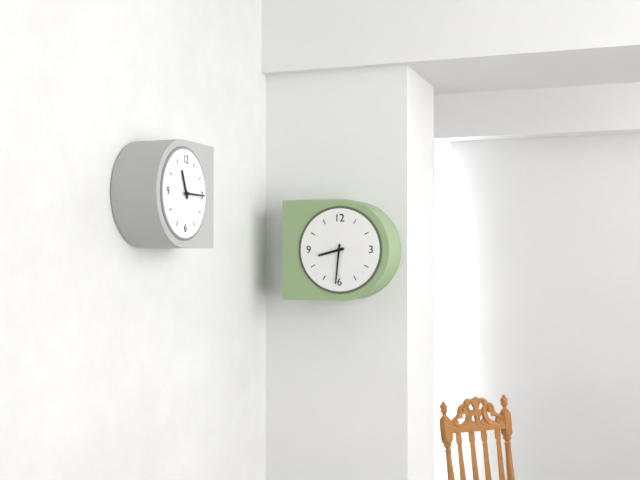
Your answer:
**8:31**
